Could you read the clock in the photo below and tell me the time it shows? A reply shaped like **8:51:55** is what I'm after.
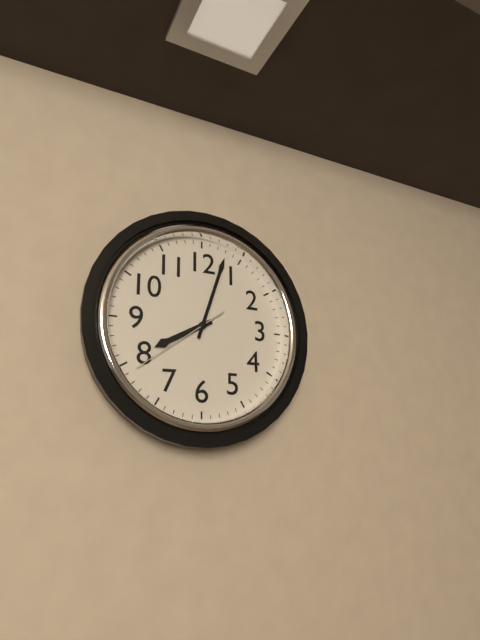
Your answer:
**8:03:39**
